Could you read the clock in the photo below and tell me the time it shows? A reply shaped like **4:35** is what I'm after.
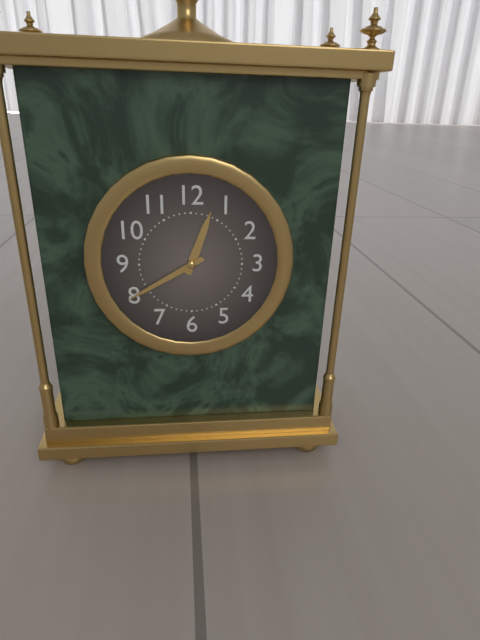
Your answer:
**12:40**
